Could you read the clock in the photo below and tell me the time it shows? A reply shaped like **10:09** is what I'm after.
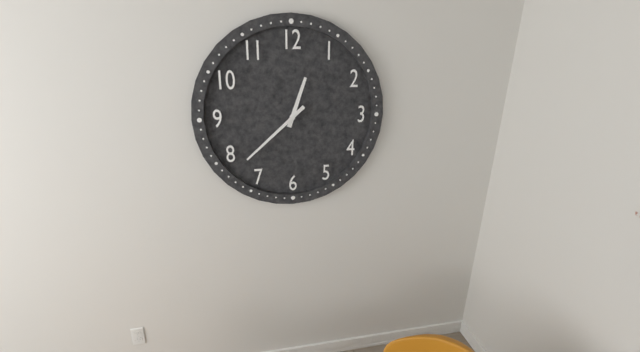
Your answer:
**12:38**
